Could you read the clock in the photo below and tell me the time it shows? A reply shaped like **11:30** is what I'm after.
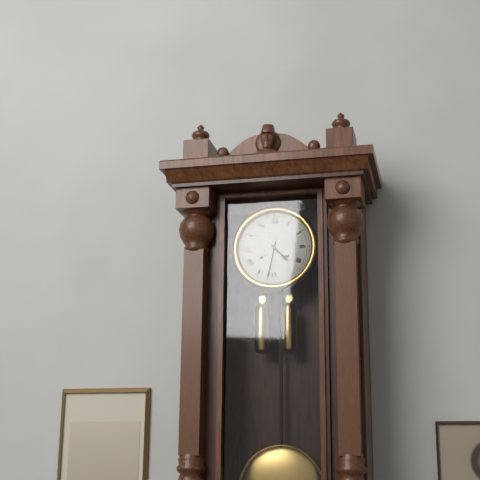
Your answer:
**4:32**
